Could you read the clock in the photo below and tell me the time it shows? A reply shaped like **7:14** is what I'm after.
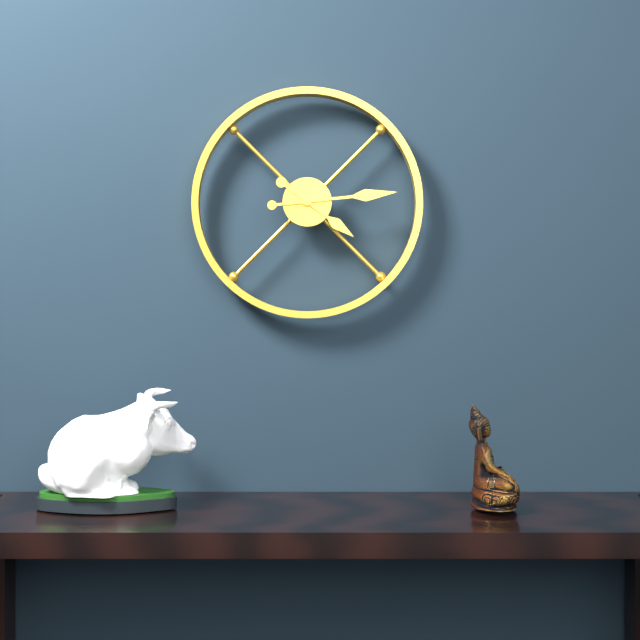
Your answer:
**4:14**
